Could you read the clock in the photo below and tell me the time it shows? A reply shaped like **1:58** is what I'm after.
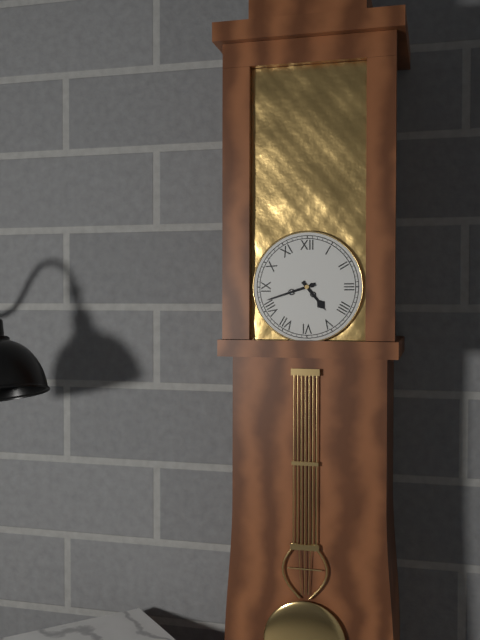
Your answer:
**4:42**
